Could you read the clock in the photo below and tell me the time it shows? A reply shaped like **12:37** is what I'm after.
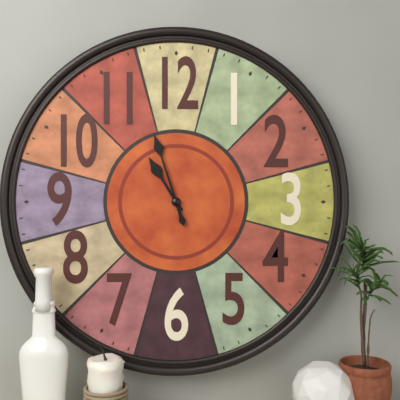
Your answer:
**10:57**
